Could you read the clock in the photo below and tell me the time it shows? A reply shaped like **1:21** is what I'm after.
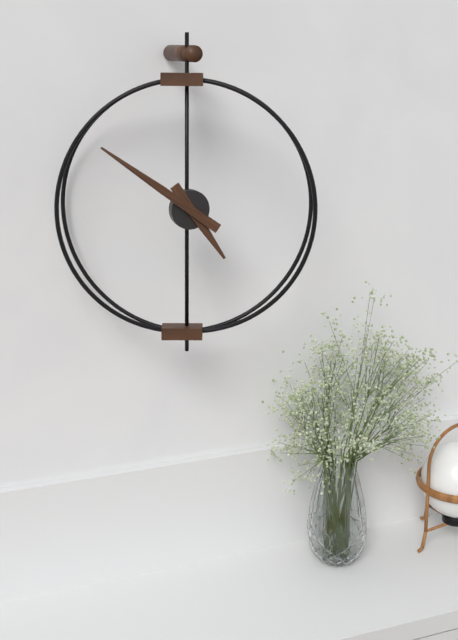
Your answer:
**4:51**
